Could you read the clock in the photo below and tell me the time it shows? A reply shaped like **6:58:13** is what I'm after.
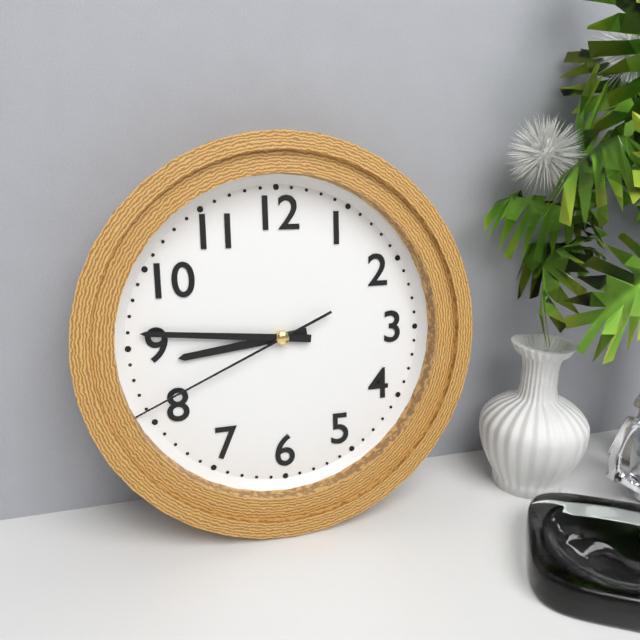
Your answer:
**8:46:41**
